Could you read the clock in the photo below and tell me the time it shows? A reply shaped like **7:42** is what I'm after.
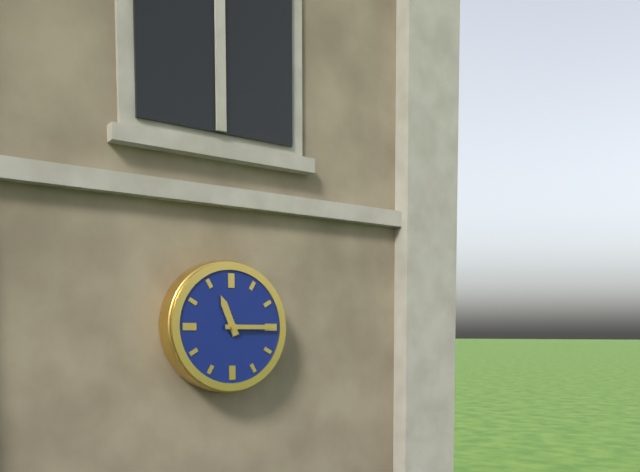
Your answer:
**11:15**
